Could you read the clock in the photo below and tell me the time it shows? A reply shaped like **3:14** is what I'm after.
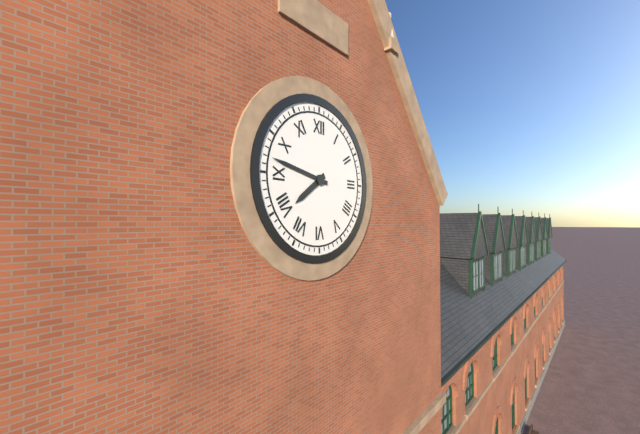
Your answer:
**7:47**
